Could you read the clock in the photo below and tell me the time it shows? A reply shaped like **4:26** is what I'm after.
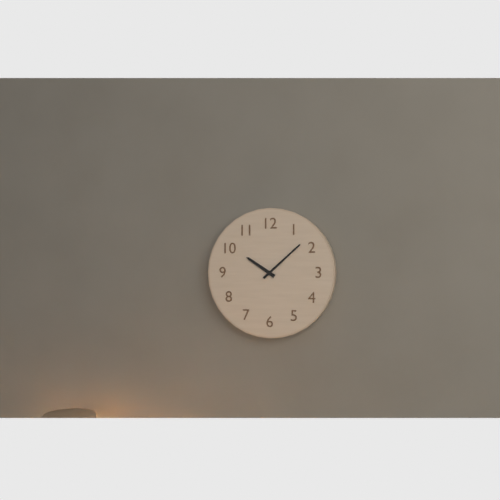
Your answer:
**10:08**
